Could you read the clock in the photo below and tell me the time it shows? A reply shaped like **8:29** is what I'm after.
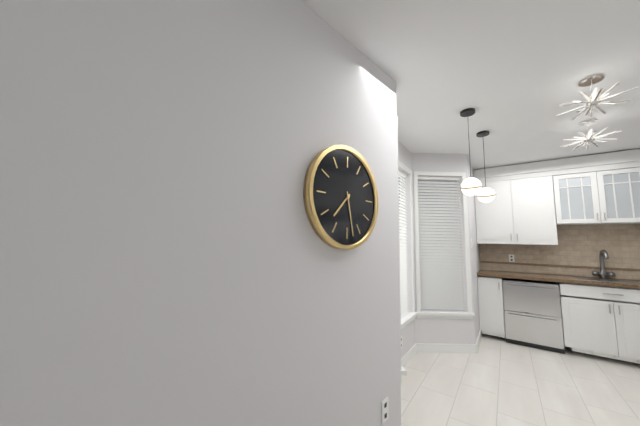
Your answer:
**7:28**
